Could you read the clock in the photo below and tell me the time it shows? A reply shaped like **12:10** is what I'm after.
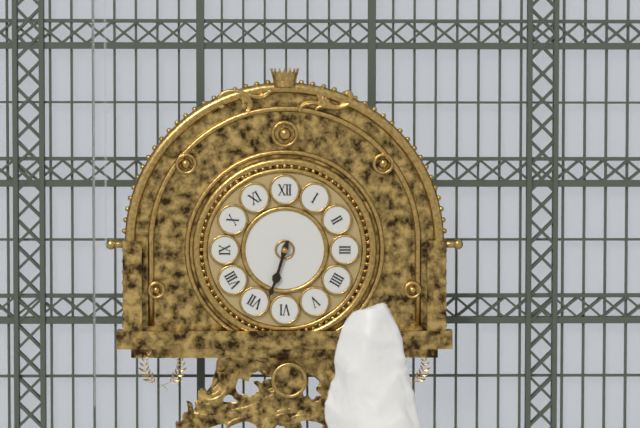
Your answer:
**6:33**
